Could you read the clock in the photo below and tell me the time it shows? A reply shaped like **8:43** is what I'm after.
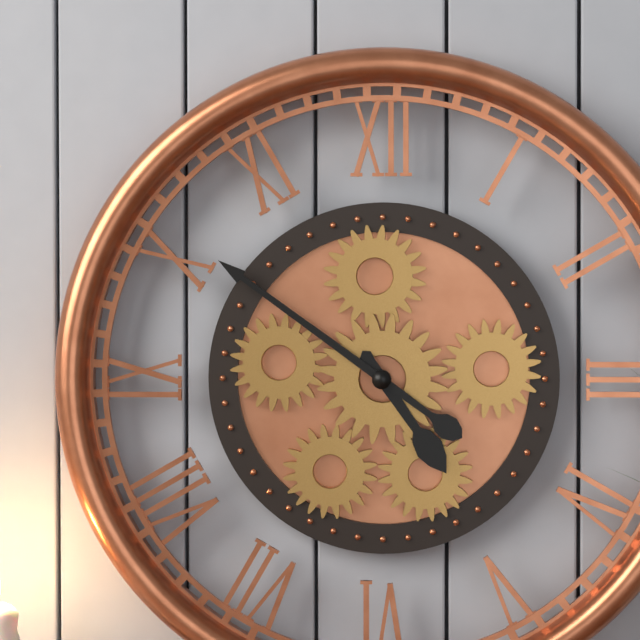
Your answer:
**4:51**
